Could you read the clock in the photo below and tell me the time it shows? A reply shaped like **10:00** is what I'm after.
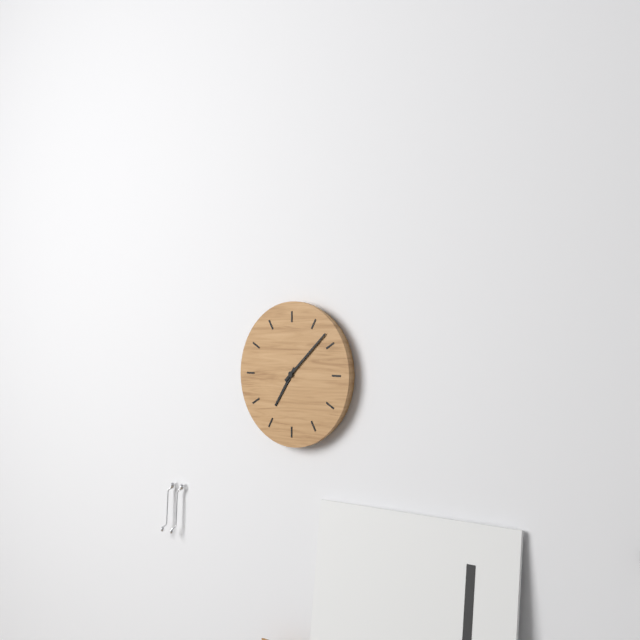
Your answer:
**7:08**
